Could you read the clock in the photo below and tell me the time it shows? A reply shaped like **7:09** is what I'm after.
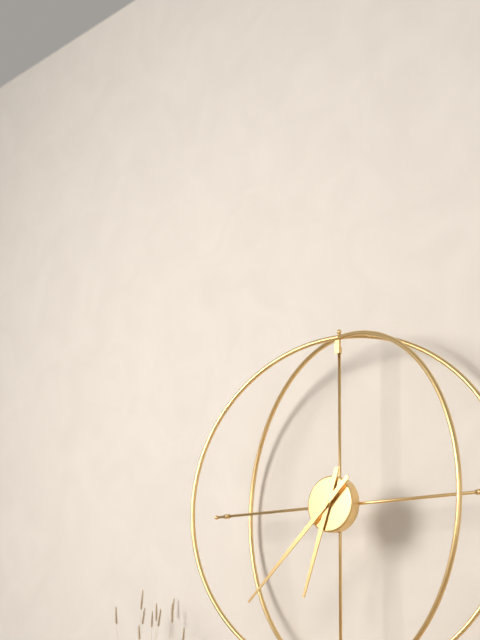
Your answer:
**6:38**
